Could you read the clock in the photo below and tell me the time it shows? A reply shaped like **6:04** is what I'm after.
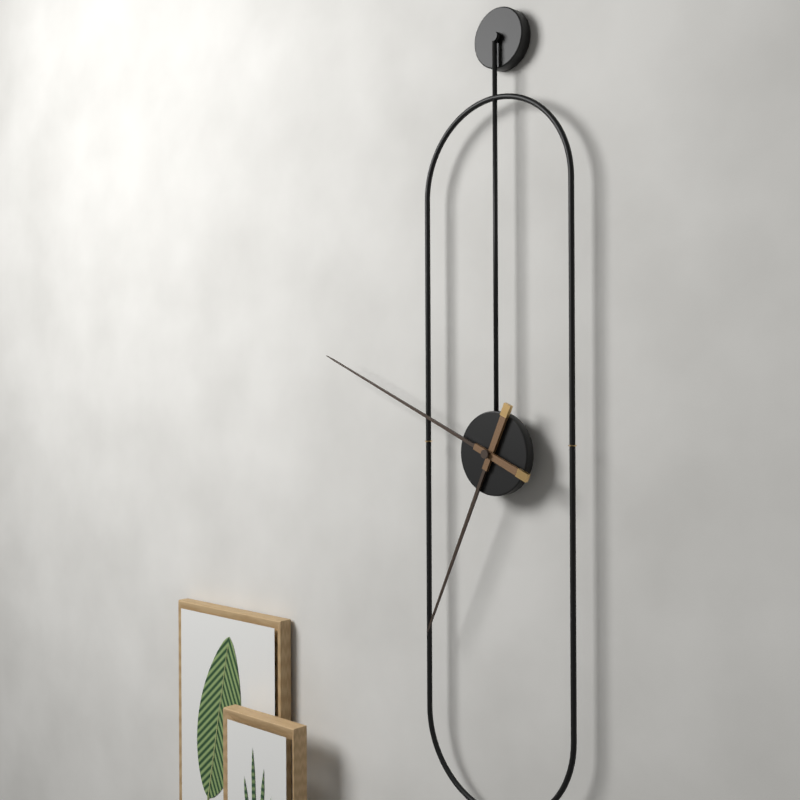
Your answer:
**6:49**
